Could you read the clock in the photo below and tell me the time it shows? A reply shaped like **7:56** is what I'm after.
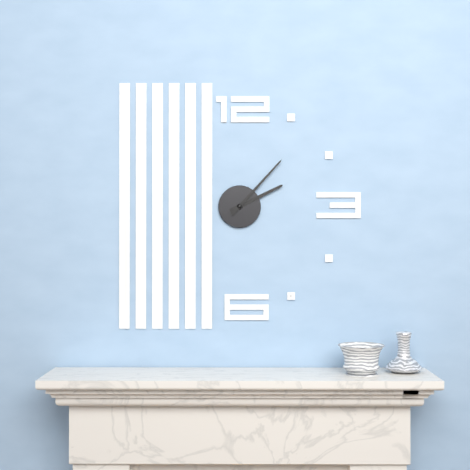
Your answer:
**2:07**
